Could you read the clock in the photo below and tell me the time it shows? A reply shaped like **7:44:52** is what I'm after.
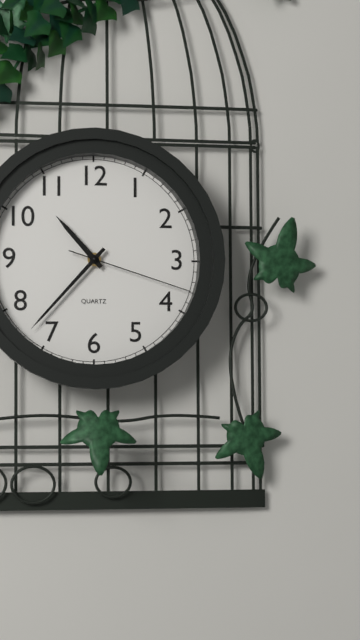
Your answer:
**10:37:18**
